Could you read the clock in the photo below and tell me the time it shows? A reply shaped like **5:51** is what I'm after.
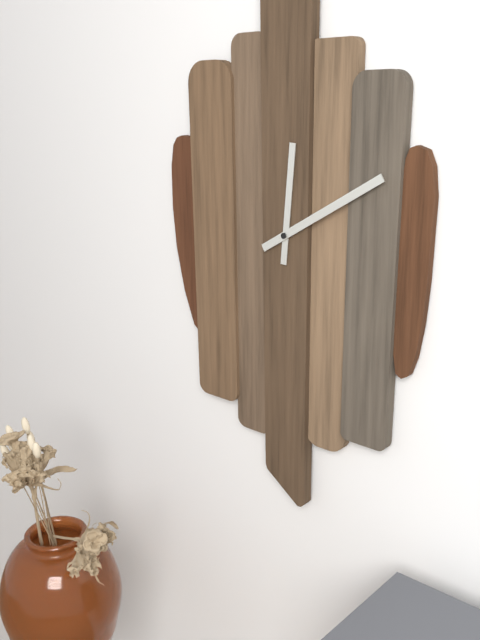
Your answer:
**12:10**
